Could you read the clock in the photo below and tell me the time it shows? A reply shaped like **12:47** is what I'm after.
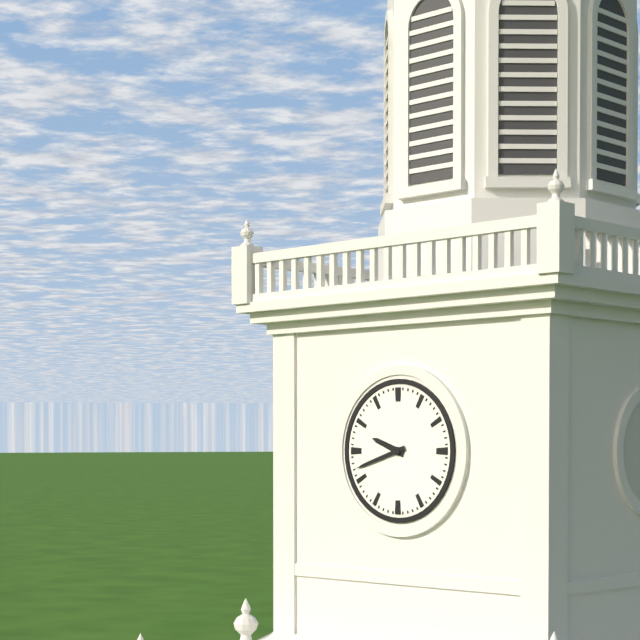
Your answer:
**9:42**
